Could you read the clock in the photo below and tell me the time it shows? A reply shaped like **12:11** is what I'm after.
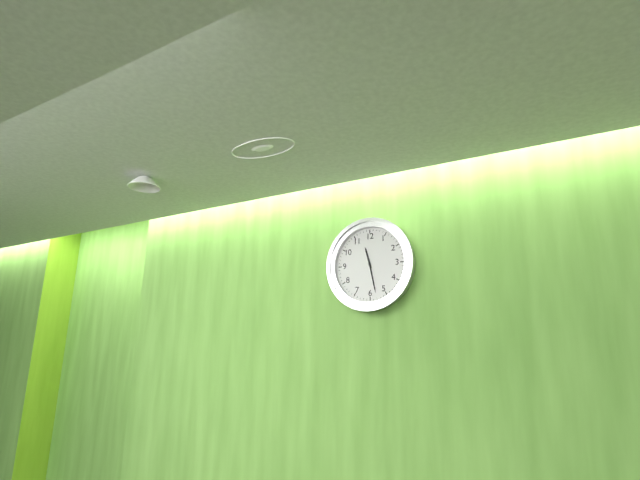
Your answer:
**11:28**
